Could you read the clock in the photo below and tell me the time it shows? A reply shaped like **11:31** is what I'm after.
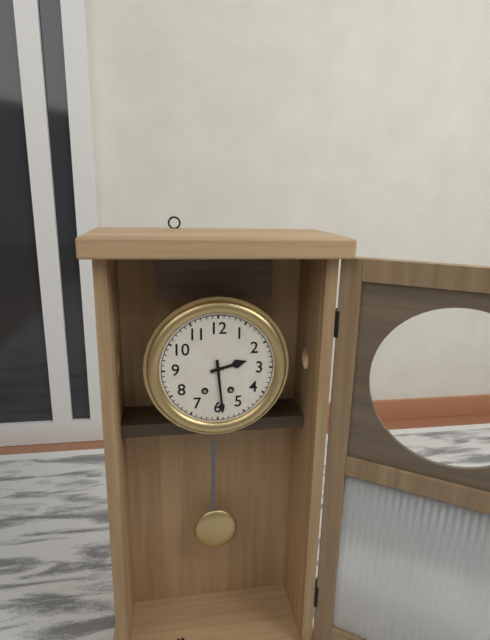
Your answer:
**2:29**
